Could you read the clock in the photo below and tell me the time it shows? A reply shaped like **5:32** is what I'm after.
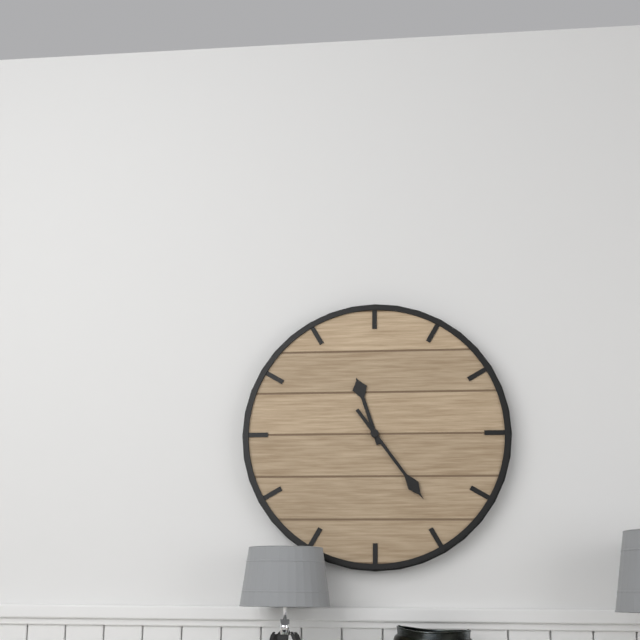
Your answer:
**11:24**
